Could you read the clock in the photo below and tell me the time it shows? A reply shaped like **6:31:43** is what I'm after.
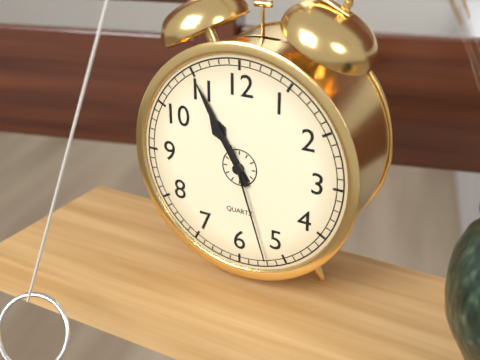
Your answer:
**10:55:27**
